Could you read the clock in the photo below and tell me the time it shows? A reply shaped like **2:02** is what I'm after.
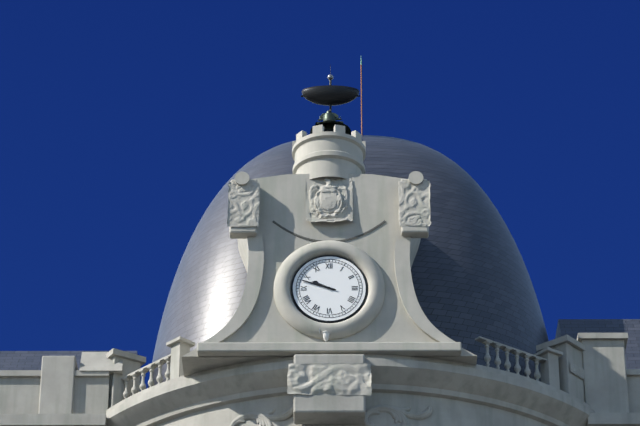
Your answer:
**9:48**
